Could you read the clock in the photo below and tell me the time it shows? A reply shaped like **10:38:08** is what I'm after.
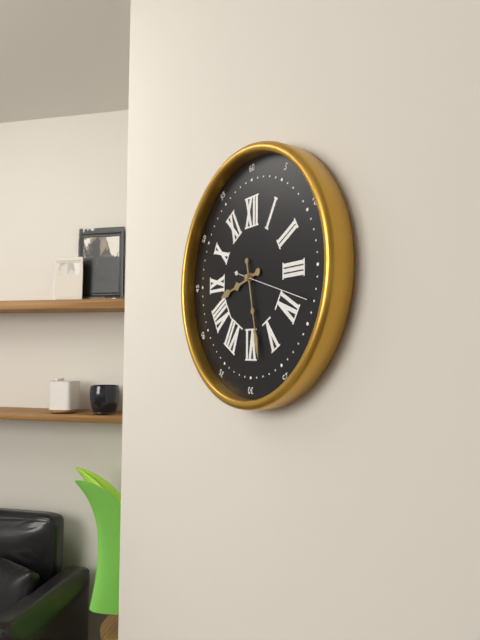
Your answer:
**8:28:18**
